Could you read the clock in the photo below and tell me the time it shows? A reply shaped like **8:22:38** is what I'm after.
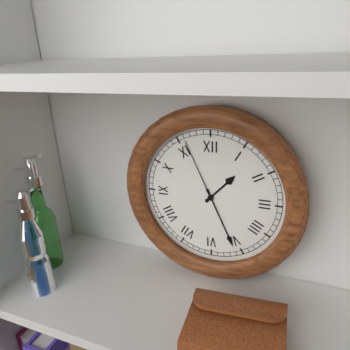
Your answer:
**1:26:56**
